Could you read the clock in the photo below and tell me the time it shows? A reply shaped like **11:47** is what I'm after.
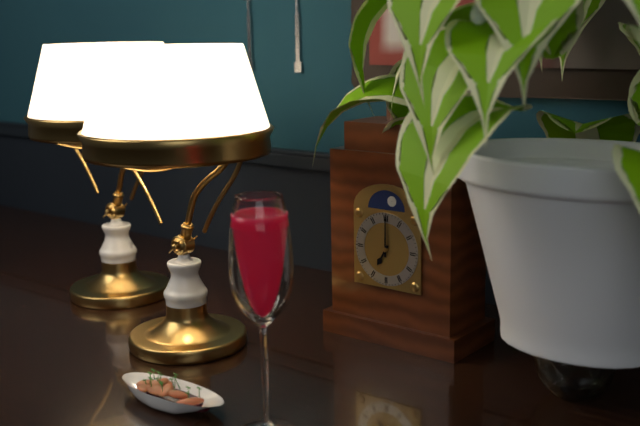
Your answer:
**7:00**
